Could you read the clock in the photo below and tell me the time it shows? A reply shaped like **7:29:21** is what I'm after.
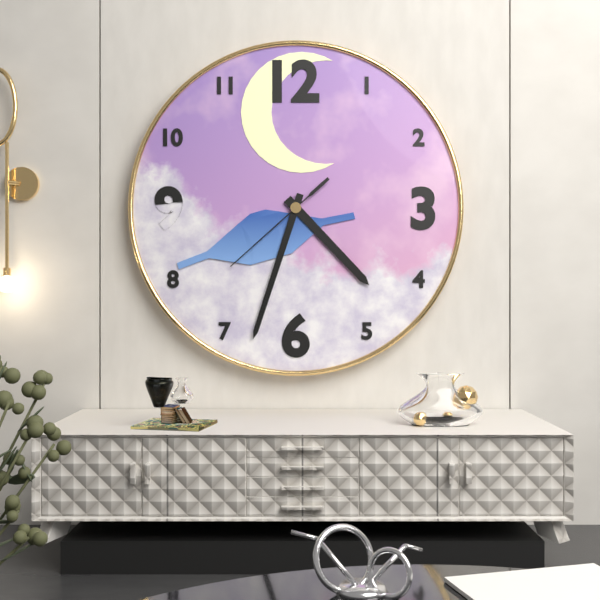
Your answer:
**4:33:38**
